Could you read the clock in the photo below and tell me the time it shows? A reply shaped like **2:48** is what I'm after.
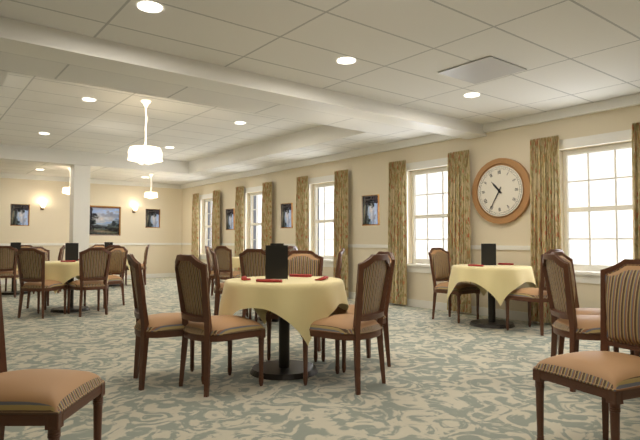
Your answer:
**10:35**
